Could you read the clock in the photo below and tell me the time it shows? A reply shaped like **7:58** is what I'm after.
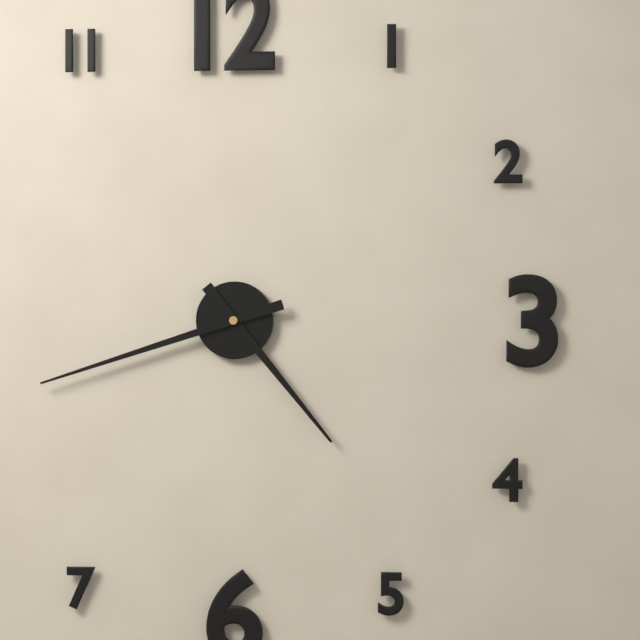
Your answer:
**4:42**
